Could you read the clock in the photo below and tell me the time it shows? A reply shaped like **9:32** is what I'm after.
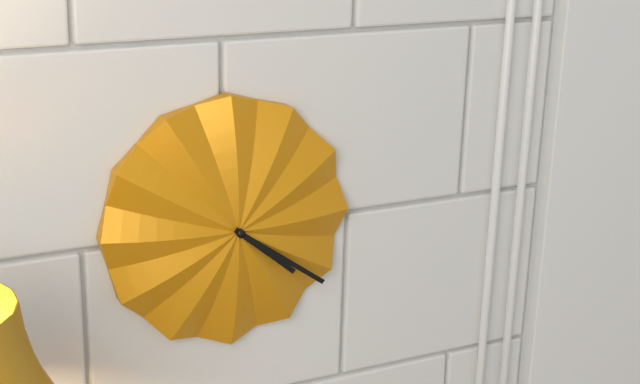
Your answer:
**4:21**
